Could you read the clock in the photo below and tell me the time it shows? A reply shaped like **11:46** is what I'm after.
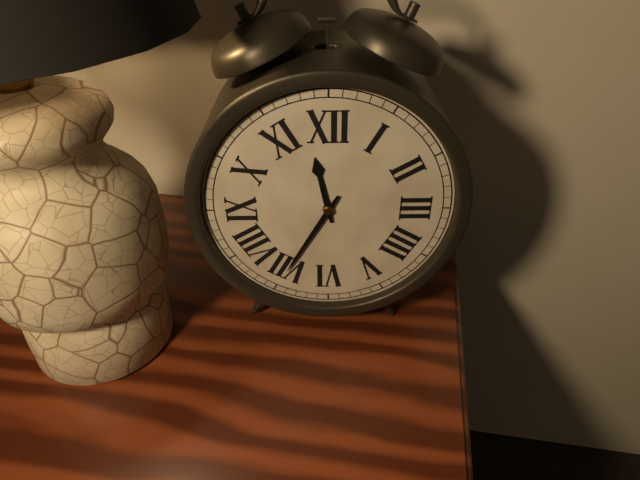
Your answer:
**11:35**
